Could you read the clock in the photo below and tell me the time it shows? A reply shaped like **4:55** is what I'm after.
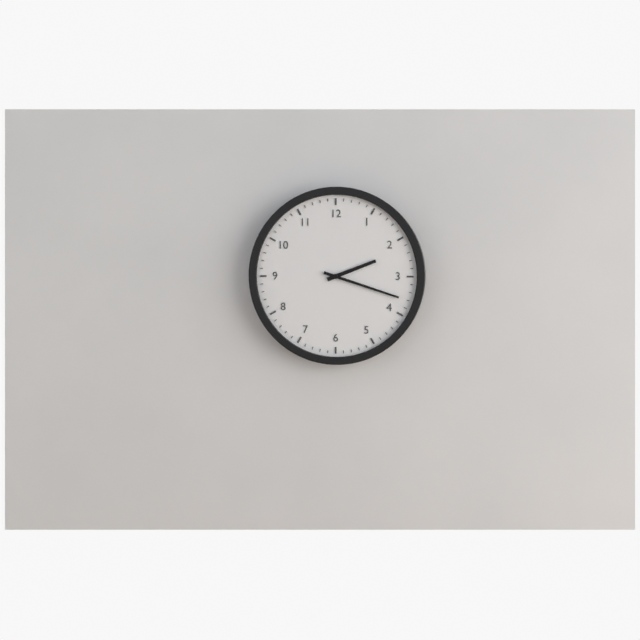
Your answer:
**2:18**
